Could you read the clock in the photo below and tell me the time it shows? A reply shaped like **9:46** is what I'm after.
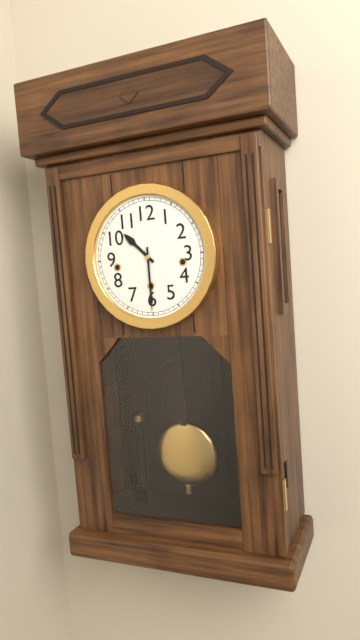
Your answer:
**10:30**
